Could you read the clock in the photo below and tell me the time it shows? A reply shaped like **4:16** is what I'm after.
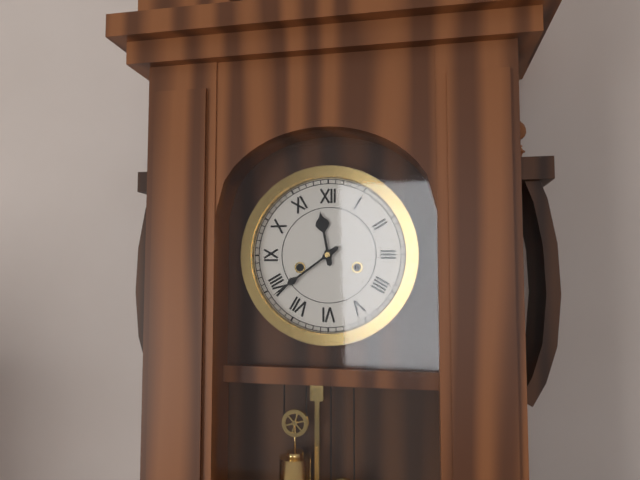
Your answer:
**11:39**
